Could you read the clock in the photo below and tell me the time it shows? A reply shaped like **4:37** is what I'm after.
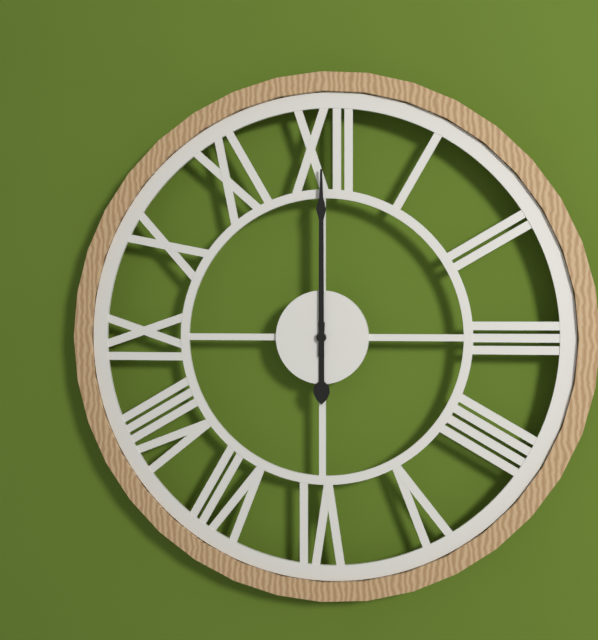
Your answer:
**6:00**
